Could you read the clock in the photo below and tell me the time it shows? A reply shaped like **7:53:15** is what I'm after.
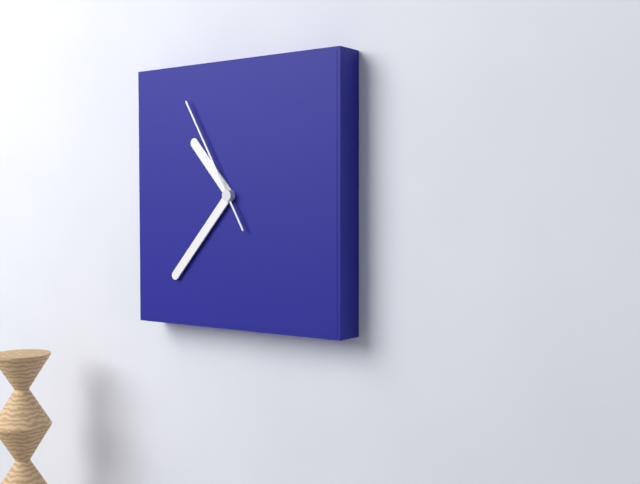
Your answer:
**10:37:55**
